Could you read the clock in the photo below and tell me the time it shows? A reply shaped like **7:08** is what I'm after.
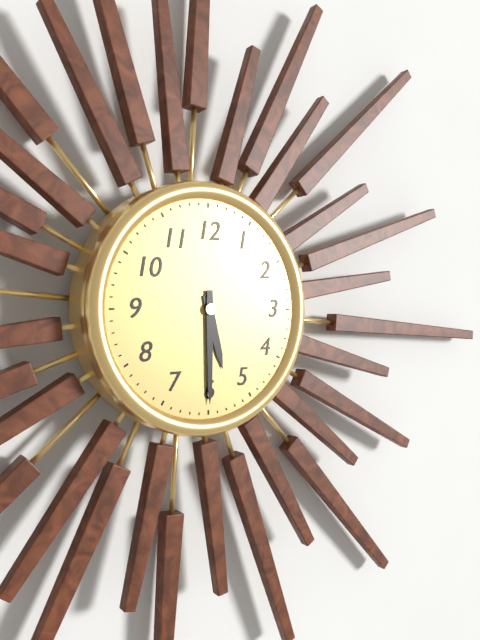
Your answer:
**5:30**
